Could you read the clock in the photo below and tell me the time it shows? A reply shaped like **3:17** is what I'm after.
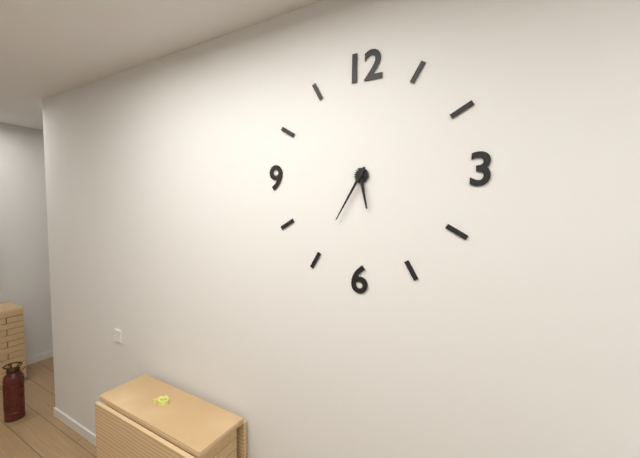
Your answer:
**5:35**
